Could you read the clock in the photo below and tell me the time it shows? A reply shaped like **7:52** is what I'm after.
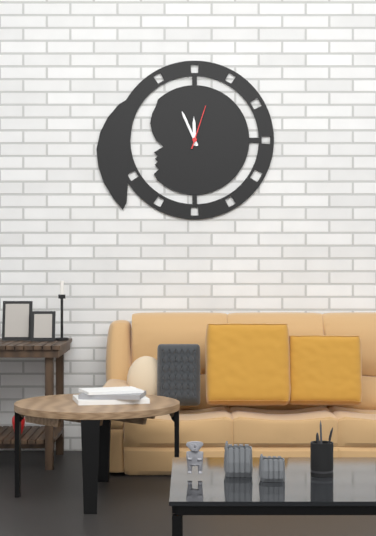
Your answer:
**11:56**
